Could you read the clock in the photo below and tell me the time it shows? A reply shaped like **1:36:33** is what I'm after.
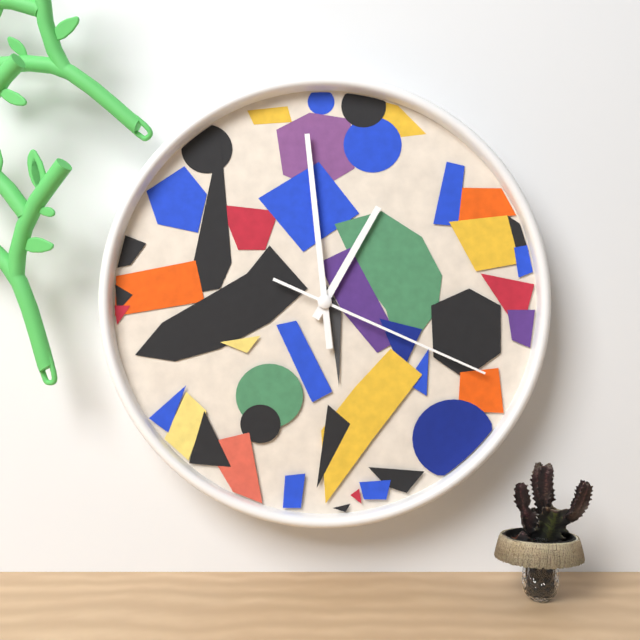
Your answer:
**12:59:19**
